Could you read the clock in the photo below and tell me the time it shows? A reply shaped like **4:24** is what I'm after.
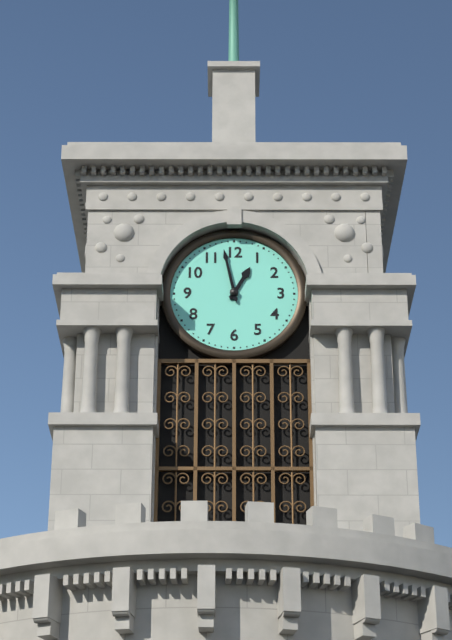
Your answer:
**12:58**
